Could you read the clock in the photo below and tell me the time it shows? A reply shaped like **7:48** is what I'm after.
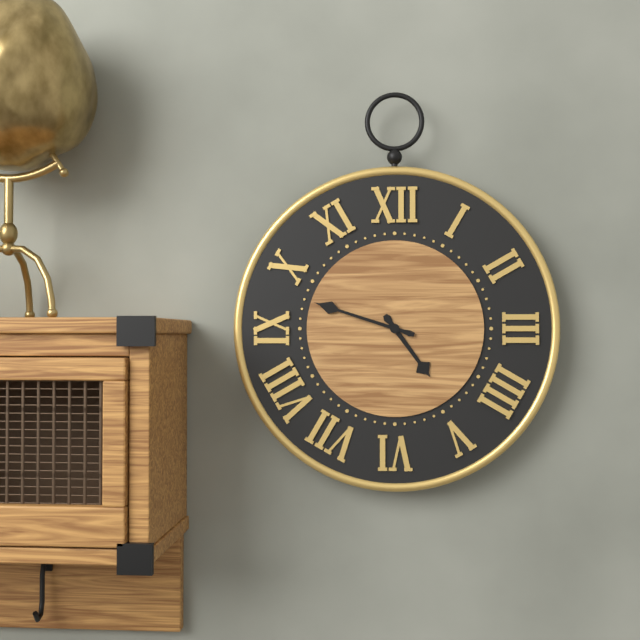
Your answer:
**4:48**
